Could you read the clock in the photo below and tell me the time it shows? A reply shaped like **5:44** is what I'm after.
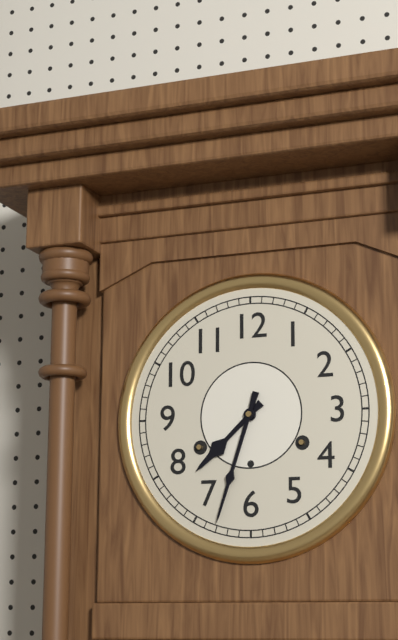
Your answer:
**7:33**
